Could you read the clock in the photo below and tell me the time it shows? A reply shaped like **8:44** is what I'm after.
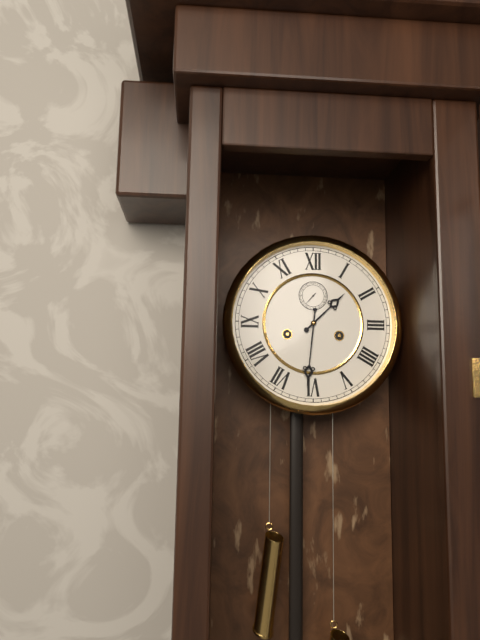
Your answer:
**1:31**
